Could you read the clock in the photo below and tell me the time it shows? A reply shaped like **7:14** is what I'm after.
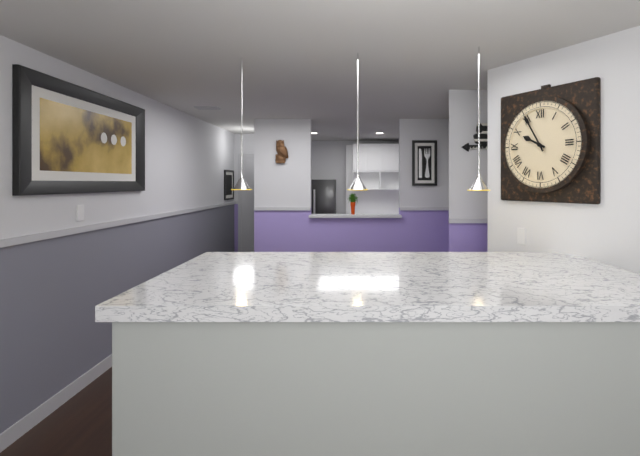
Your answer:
**9:55**
